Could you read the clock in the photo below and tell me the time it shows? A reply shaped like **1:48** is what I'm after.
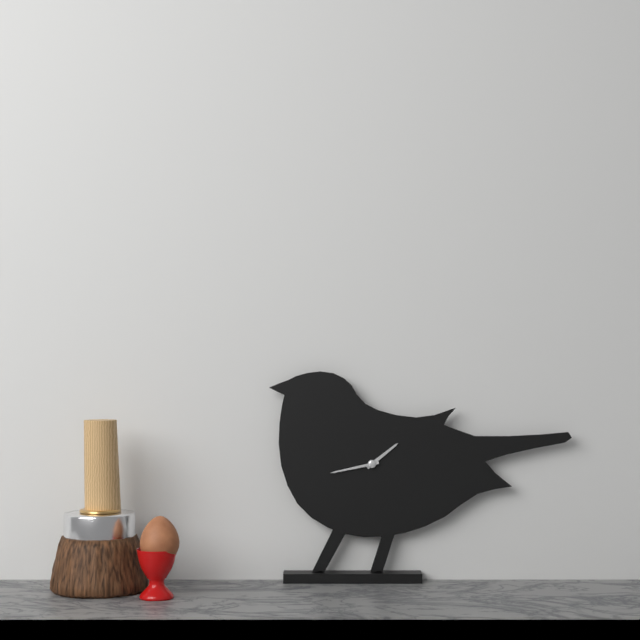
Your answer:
**1:43**
